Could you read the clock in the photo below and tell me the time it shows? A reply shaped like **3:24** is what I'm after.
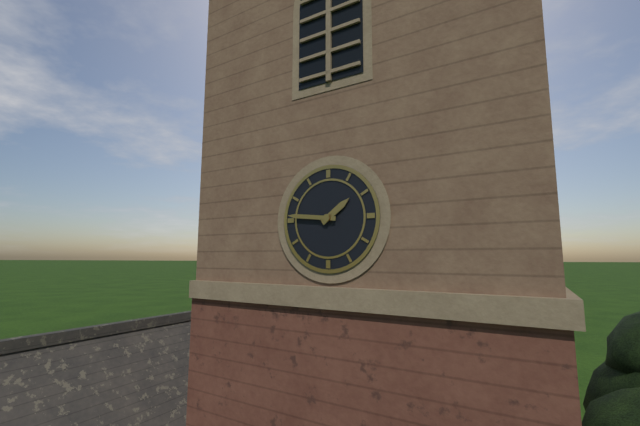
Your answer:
**1:46**
